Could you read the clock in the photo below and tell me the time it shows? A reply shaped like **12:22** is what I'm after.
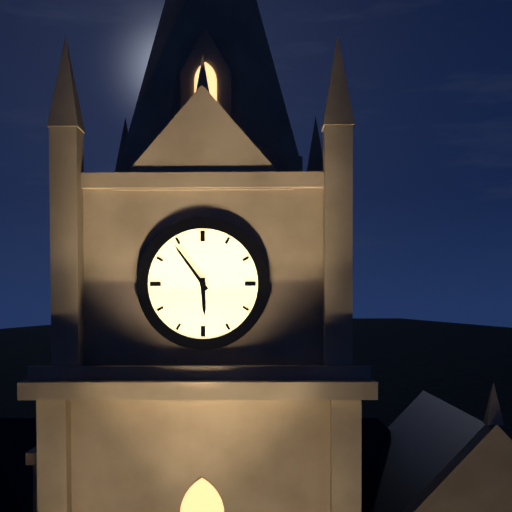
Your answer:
**5:54**
